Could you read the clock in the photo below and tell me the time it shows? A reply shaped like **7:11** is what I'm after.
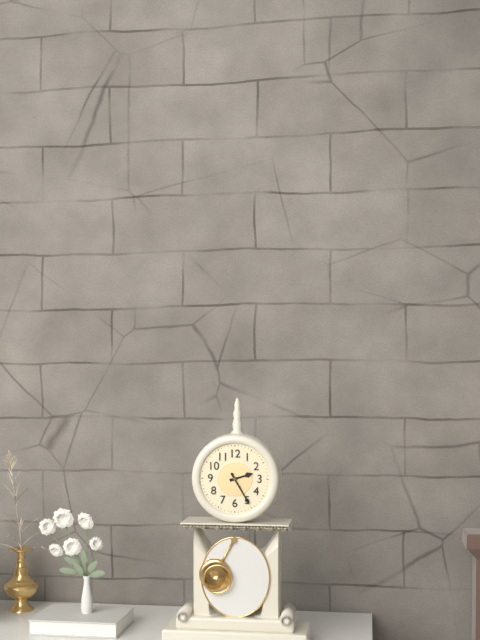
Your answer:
**2:25**
